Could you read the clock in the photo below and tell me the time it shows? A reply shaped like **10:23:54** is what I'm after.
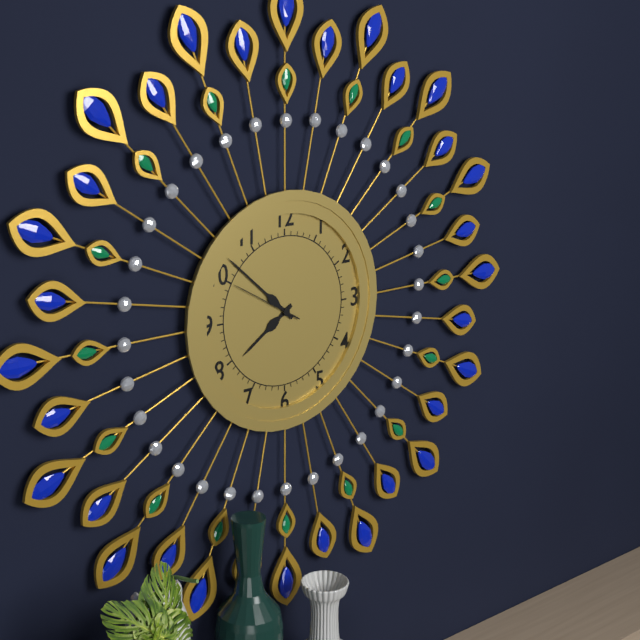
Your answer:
**7:52:50**
